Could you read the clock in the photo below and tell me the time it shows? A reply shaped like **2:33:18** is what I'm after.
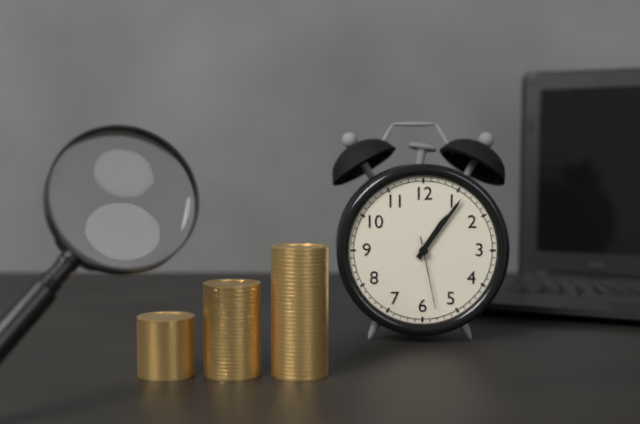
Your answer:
**1:06:28**
